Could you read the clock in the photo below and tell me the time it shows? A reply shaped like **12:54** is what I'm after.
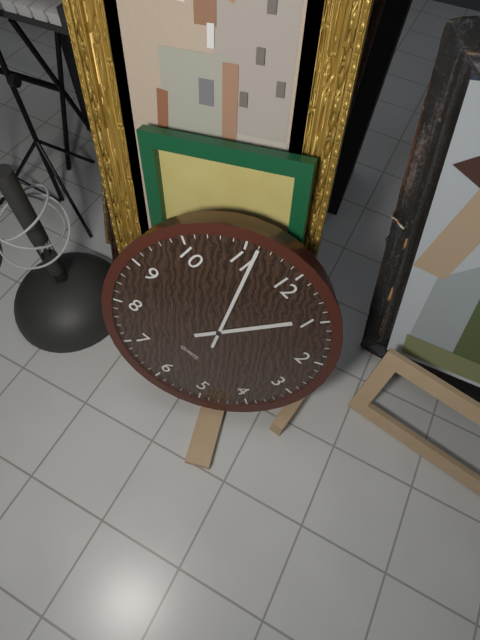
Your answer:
**12:56**
